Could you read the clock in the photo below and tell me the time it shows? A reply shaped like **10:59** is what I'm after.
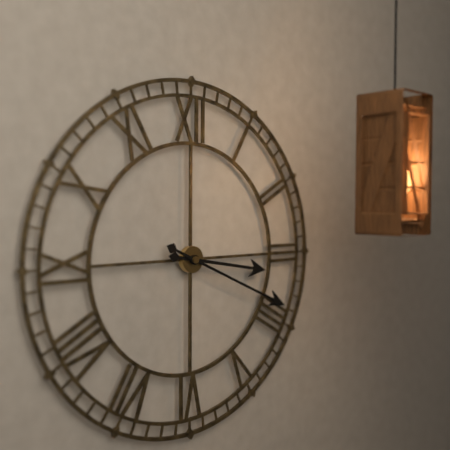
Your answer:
**3:19**
